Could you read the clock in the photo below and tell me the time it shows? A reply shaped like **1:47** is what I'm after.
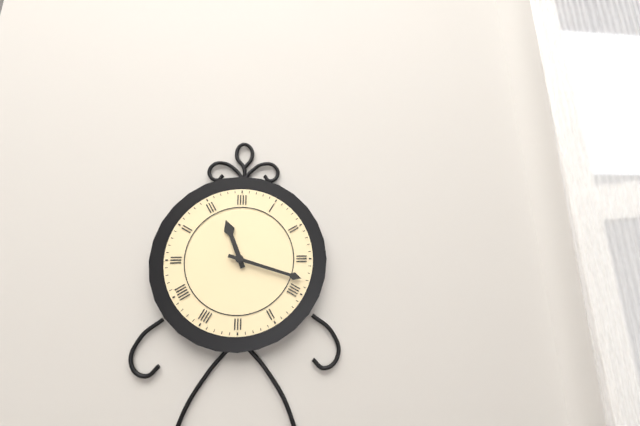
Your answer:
**11:18**
